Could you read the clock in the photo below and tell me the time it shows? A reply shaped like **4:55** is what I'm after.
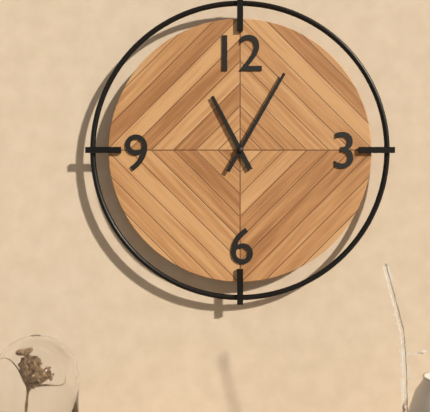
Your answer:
**11:05**
